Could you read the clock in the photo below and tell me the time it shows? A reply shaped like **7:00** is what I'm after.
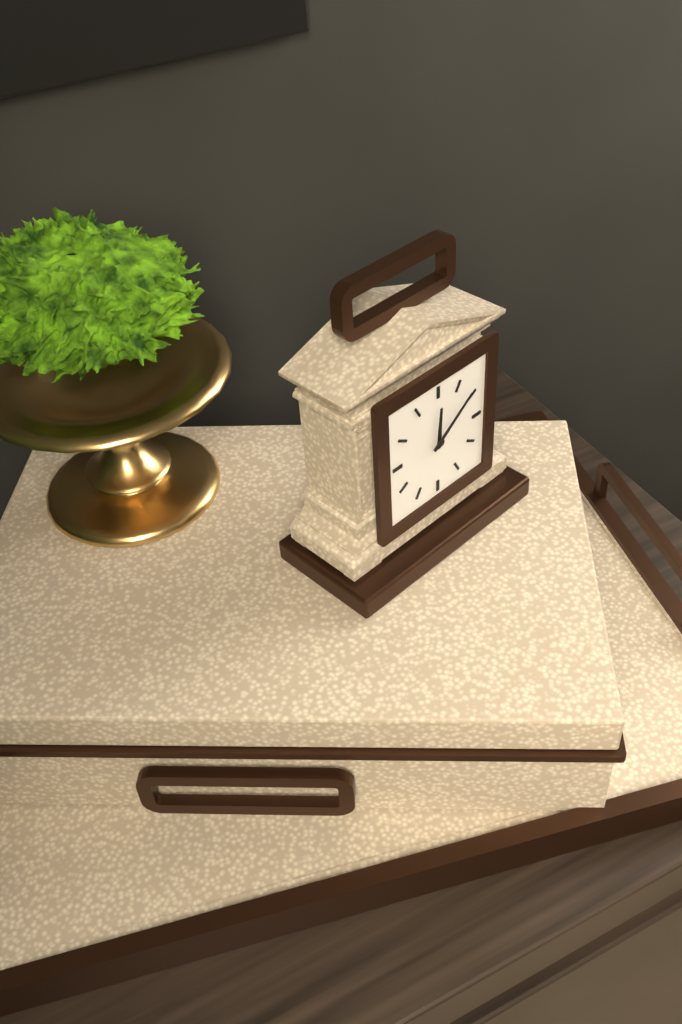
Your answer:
**12:09**
